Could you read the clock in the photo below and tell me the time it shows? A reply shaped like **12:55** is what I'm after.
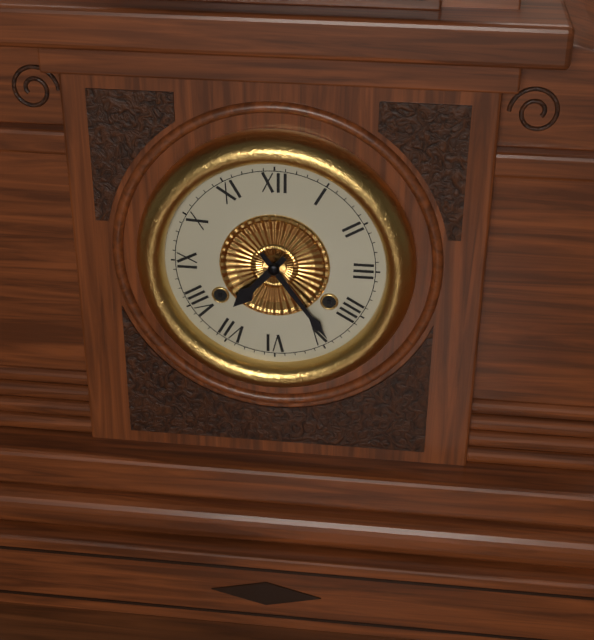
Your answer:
**7:24**
